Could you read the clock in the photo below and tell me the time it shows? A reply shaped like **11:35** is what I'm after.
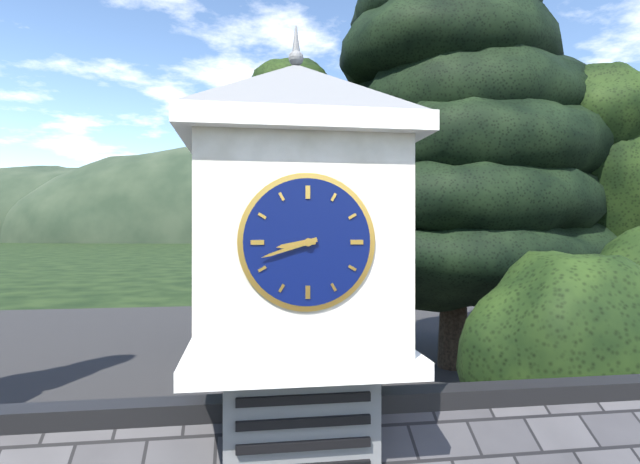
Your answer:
**8:42**
